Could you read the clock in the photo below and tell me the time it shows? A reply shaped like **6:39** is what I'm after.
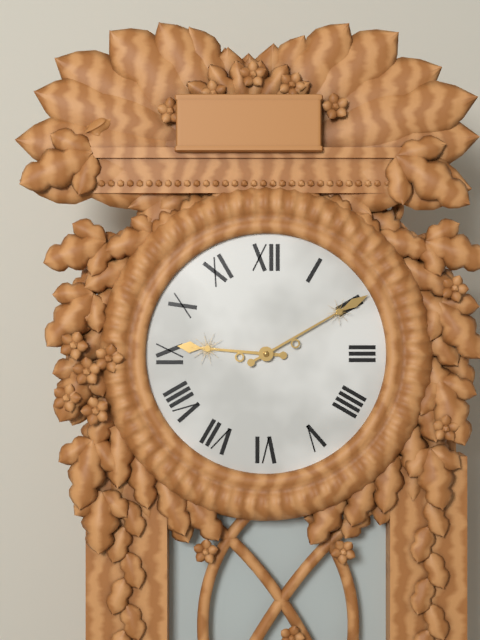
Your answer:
**9:10**
